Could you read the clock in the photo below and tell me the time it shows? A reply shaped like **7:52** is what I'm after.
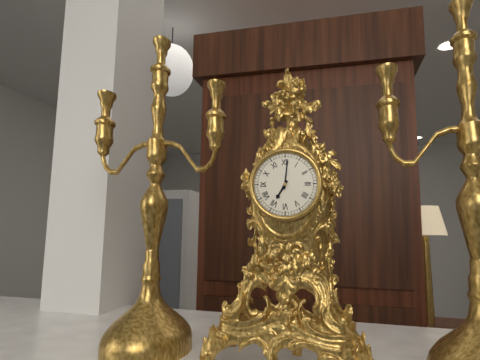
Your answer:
**7:01**
